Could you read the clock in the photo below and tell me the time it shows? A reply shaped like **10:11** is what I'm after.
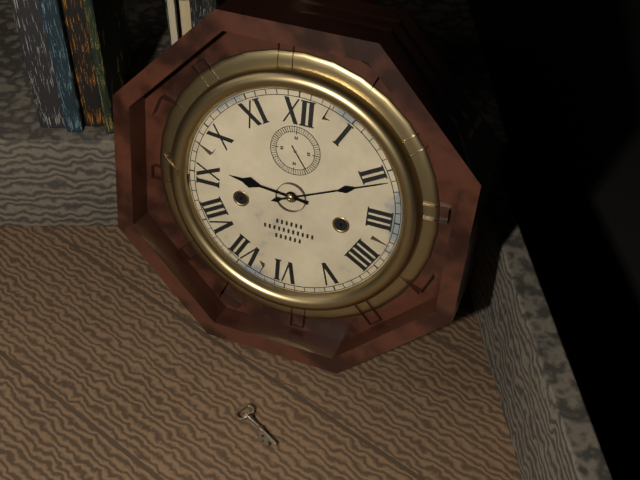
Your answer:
**9:11**
